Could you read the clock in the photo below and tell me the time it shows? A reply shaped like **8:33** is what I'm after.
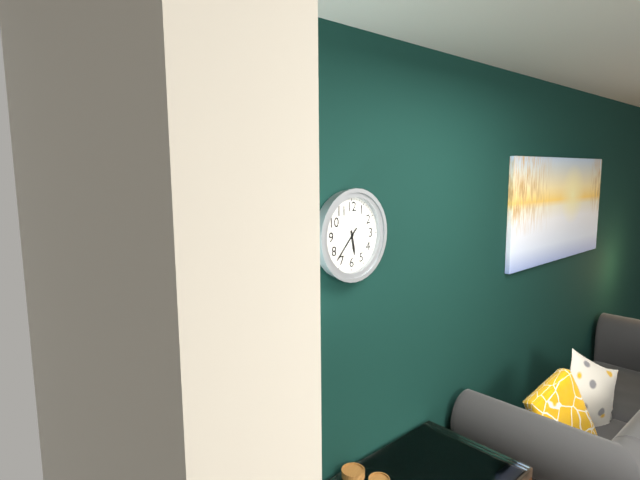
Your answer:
**5:37**
